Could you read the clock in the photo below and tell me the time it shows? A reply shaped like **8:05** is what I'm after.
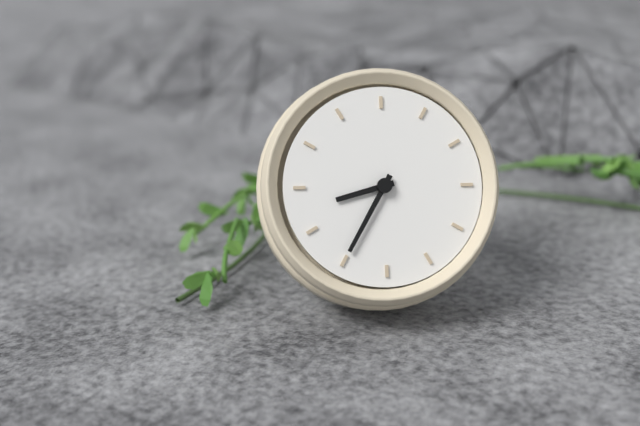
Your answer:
**7:30**
